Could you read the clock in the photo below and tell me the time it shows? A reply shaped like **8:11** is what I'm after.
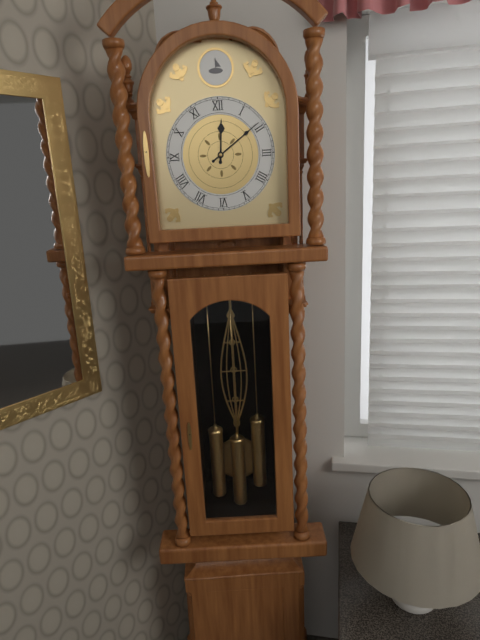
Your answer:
**12:09**
